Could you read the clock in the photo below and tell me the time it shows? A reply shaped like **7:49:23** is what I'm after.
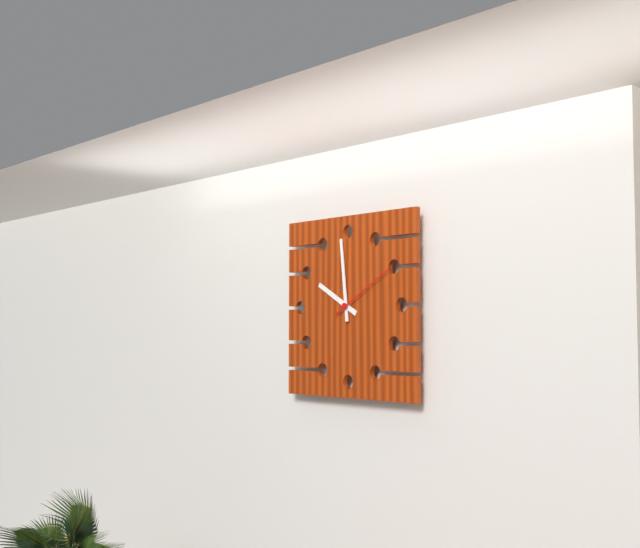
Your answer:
**9:59:10**
